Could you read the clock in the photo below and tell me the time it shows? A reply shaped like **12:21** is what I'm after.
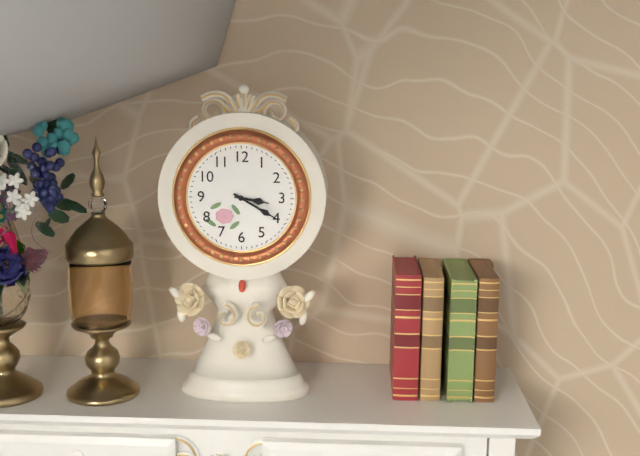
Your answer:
**3:20**
